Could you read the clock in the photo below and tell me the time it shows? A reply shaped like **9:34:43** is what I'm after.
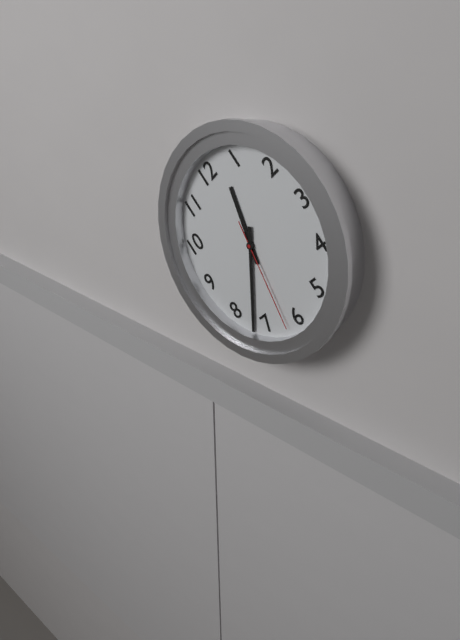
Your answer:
**12:37:32**
